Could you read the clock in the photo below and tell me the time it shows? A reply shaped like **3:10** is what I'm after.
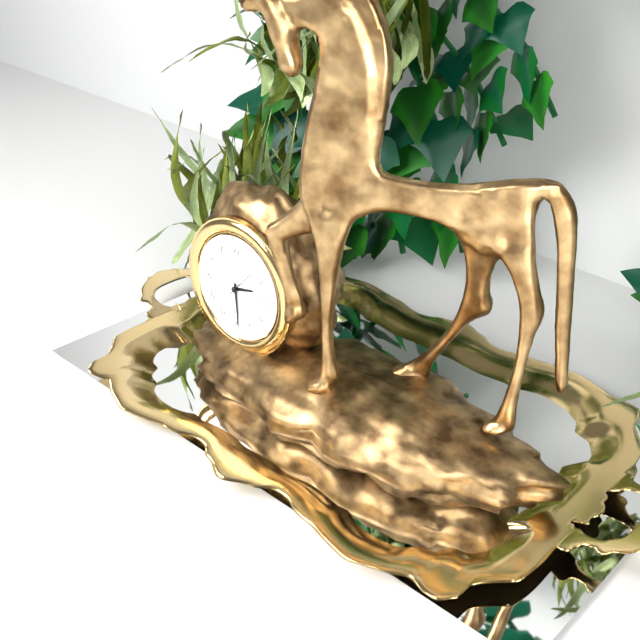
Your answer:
**2:29**
